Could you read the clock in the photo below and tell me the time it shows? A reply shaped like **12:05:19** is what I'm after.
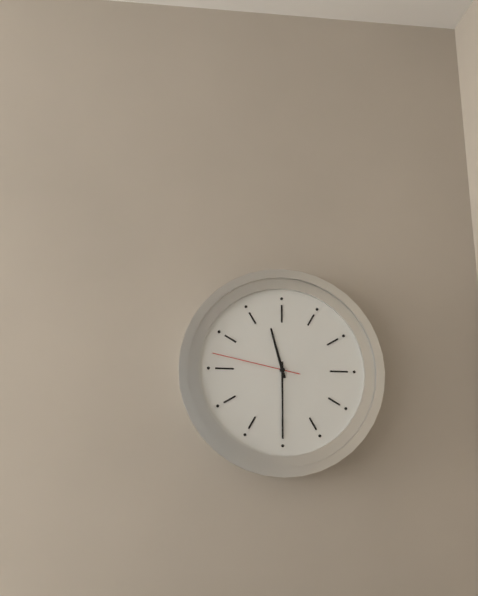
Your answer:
**11:30:47**
